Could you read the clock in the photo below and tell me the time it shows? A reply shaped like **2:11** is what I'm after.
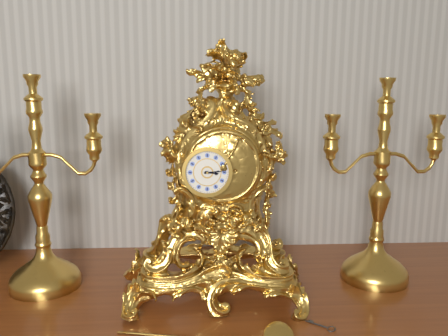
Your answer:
**3:14**
